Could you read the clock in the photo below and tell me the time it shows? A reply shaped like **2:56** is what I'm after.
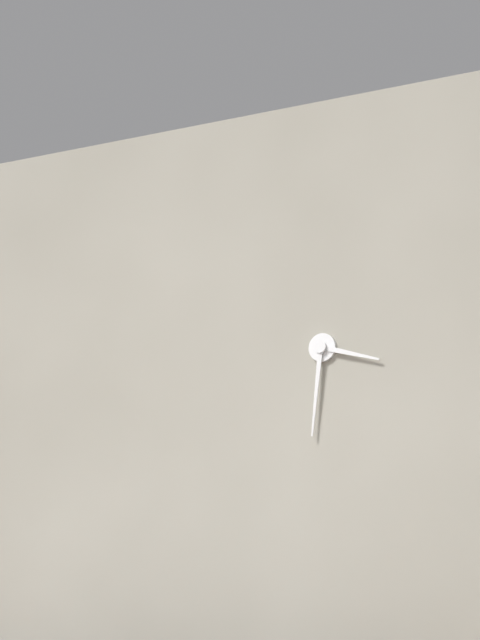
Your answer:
**3:31**
